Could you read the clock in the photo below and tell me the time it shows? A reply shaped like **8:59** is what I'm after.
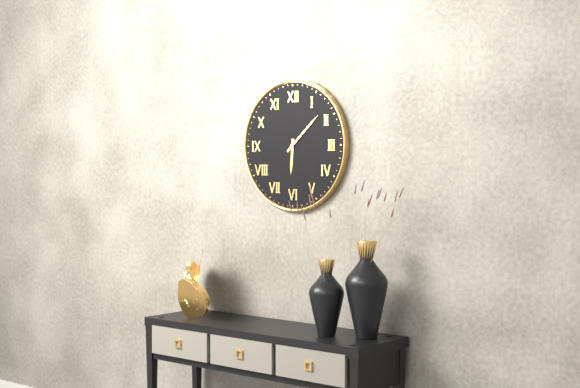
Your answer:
**6:08**
